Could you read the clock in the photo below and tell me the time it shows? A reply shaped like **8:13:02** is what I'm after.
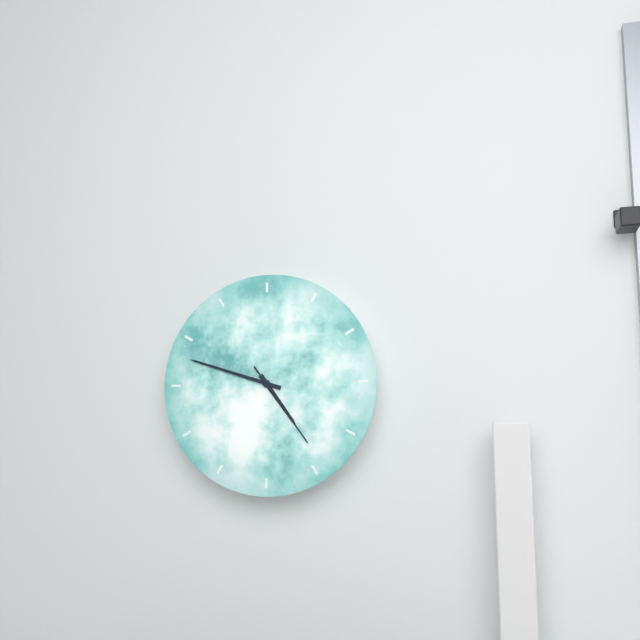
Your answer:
**4:48:24**
